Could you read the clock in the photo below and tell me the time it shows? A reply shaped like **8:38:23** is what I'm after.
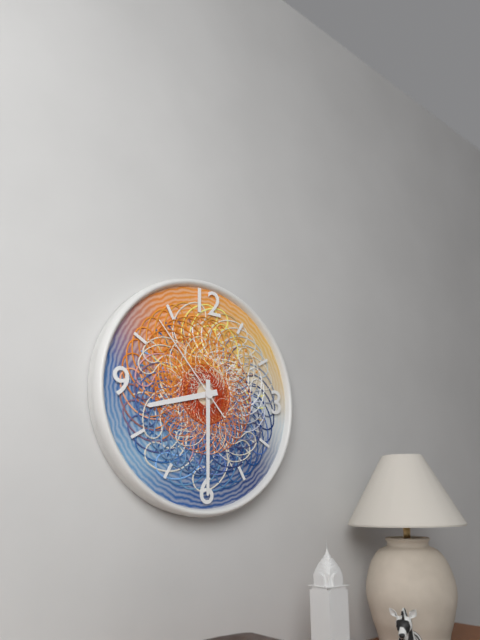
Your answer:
**8:30:53**
